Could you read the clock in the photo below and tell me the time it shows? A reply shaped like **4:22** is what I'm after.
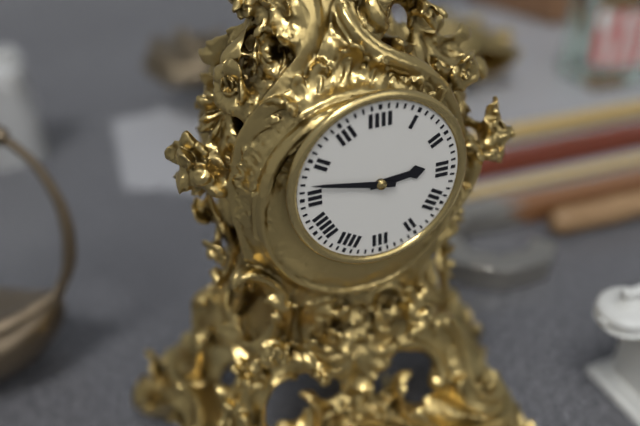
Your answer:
**2:47**
